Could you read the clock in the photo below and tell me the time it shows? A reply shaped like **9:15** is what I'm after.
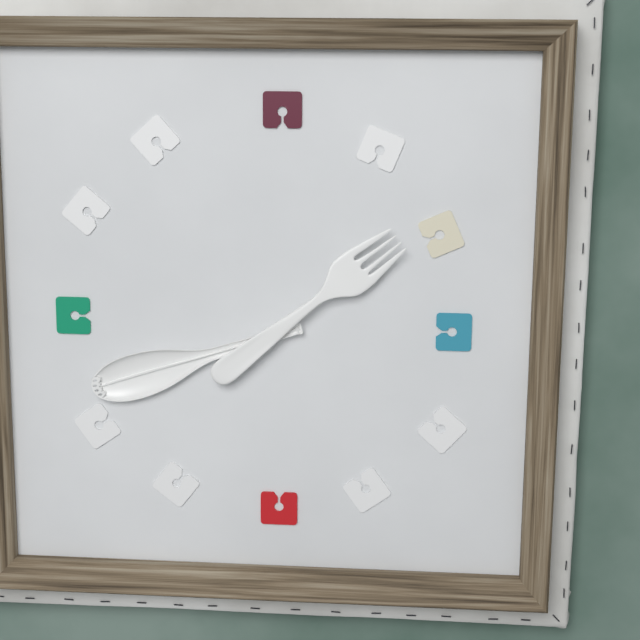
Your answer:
**1:42**
